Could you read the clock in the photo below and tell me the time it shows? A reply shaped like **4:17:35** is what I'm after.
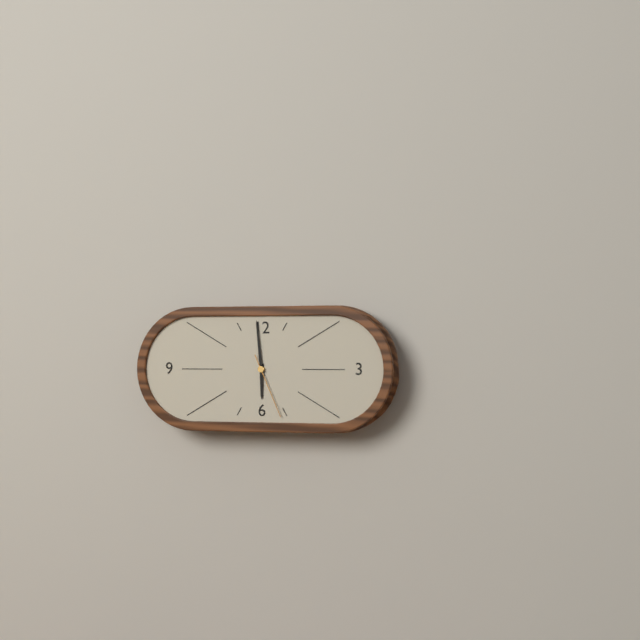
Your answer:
**5:59:26**
